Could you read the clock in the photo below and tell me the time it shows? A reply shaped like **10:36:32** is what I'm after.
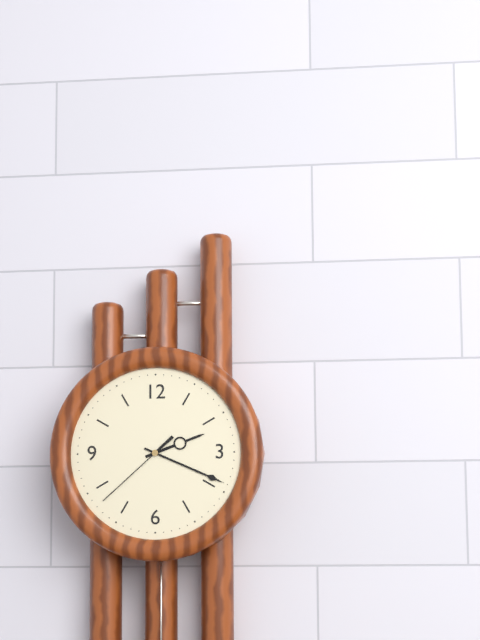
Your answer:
**2:19:38**
